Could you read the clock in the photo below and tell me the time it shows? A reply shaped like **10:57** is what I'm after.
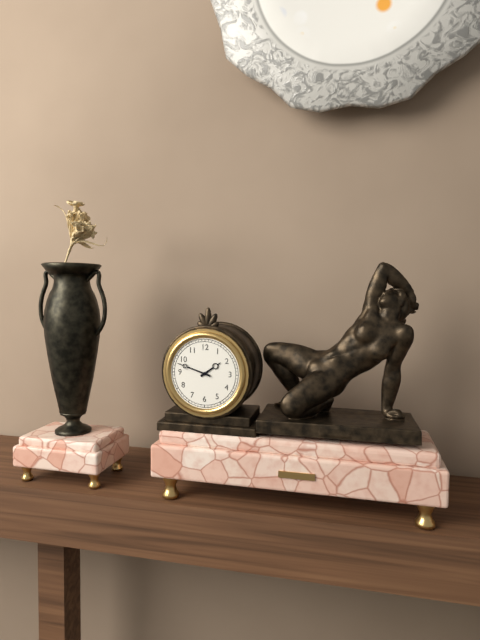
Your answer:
**1:48**
